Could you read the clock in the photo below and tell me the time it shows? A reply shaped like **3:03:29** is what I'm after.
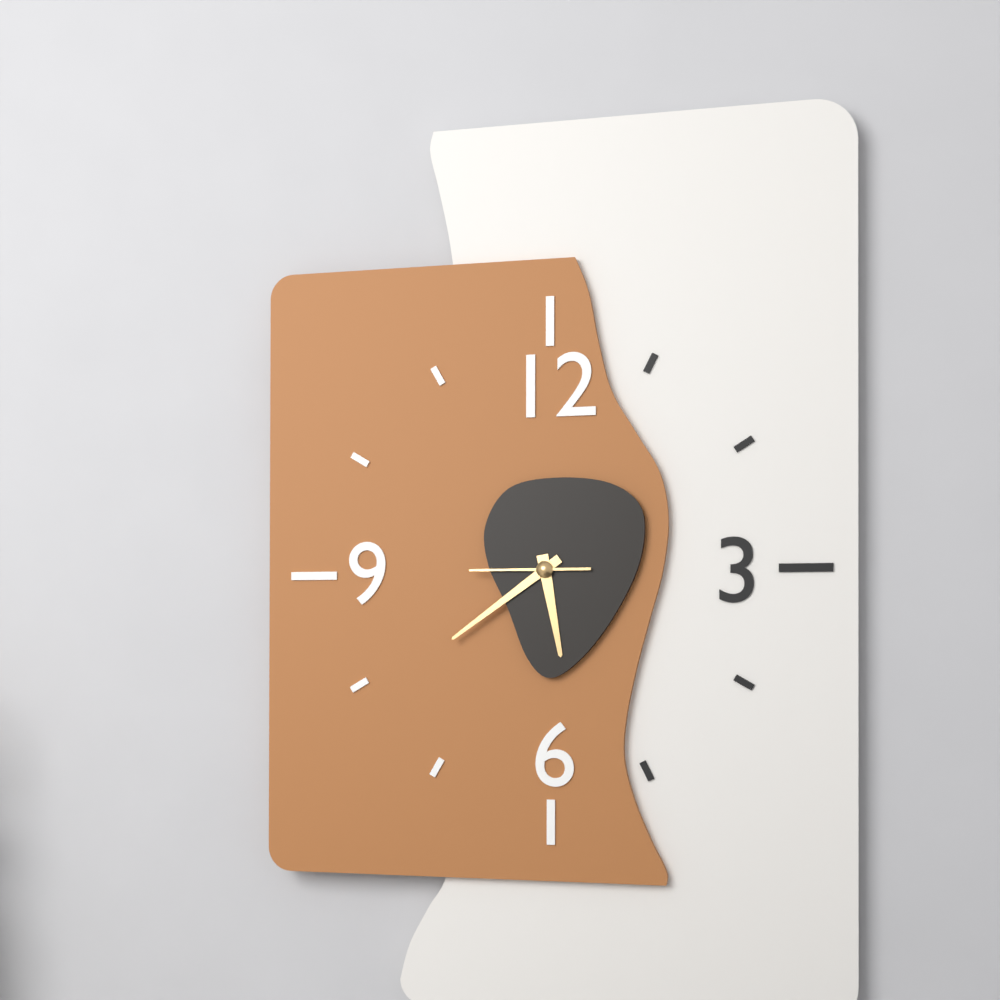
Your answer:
**5:39:45**
